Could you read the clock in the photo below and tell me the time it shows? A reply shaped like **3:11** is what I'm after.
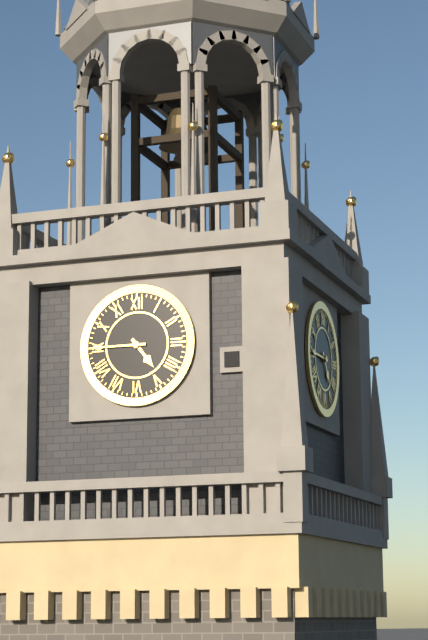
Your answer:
**4:45**
